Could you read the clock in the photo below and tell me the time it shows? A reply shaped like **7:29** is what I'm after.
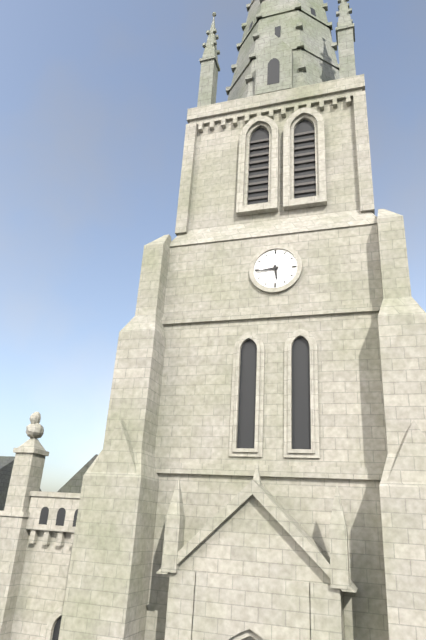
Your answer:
**5:44**
